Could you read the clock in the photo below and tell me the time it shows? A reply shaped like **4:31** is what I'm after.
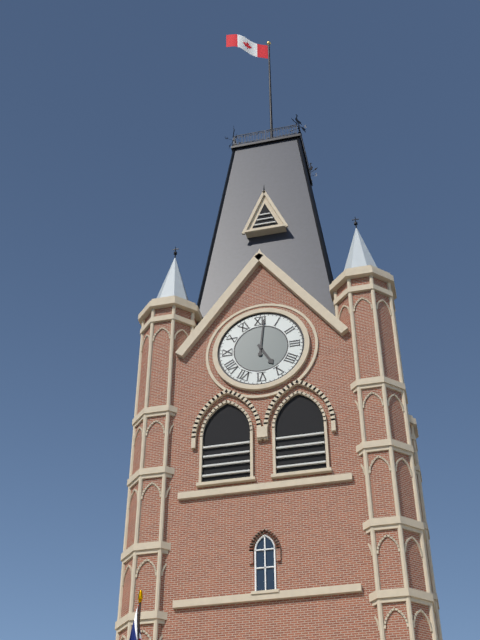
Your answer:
**5:01**
